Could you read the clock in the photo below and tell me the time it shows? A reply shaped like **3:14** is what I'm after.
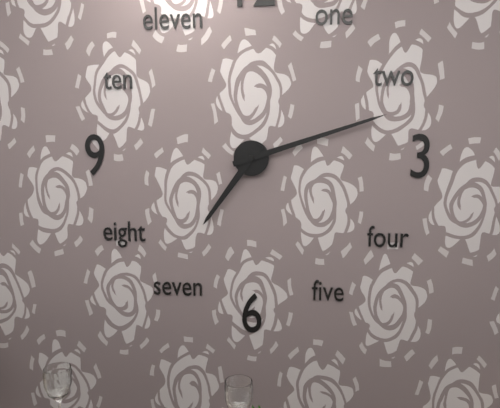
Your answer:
**7:12**
